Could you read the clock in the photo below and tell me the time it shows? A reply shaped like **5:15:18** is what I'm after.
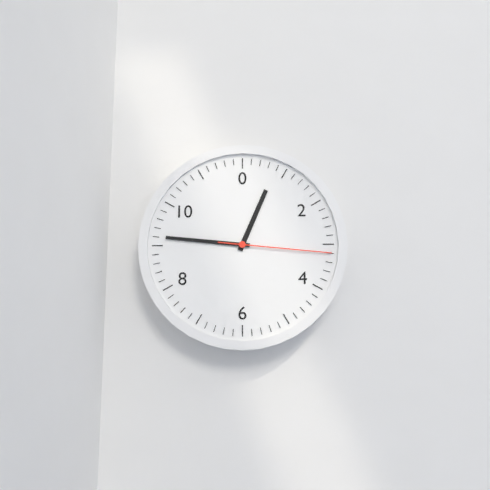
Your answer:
**12:46:16**
